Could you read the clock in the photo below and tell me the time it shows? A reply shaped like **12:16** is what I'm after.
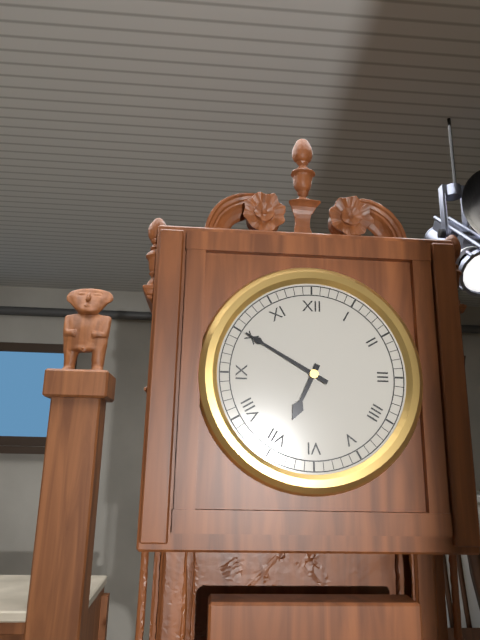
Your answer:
**6:50**
